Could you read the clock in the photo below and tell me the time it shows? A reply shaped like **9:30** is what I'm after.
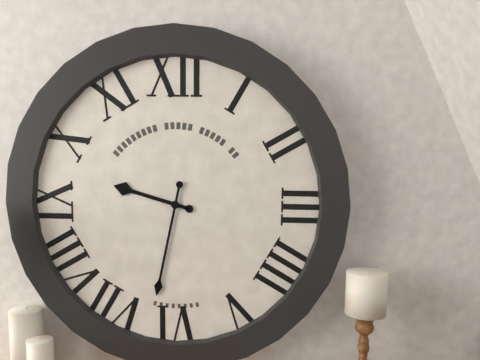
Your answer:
**9:32**
